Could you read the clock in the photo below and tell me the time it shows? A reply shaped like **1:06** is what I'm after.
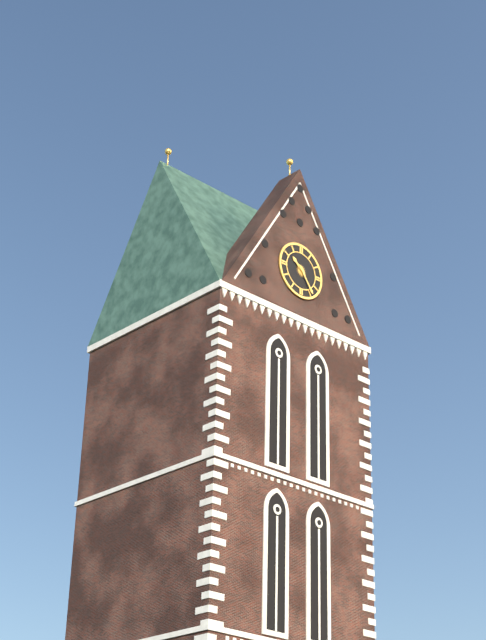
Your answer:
**10:24**
